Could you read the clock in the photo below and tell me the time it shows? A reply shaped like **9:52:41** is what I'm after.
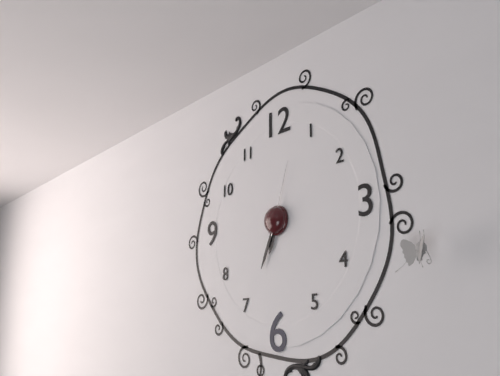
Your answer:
**6:34:03**
